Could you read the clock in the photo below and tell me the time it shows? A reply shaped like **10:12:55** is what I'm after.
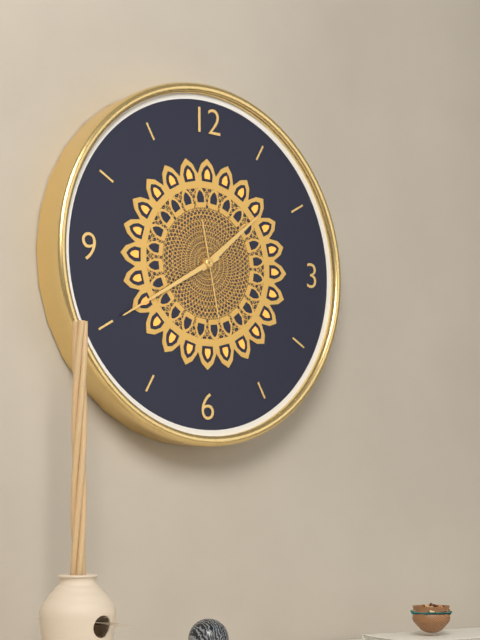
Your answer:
**1:40:28**
